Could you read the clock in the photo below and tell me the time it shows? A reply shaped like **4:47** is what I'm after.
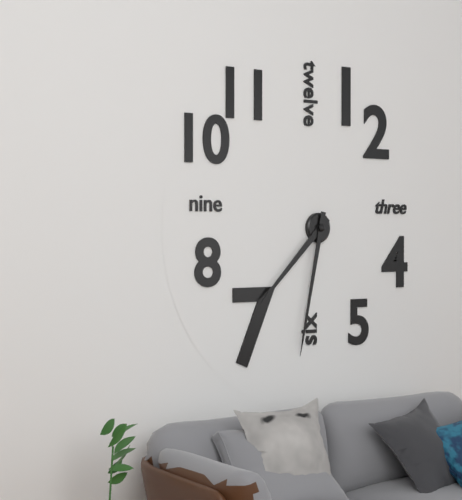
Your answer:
**7:32**
